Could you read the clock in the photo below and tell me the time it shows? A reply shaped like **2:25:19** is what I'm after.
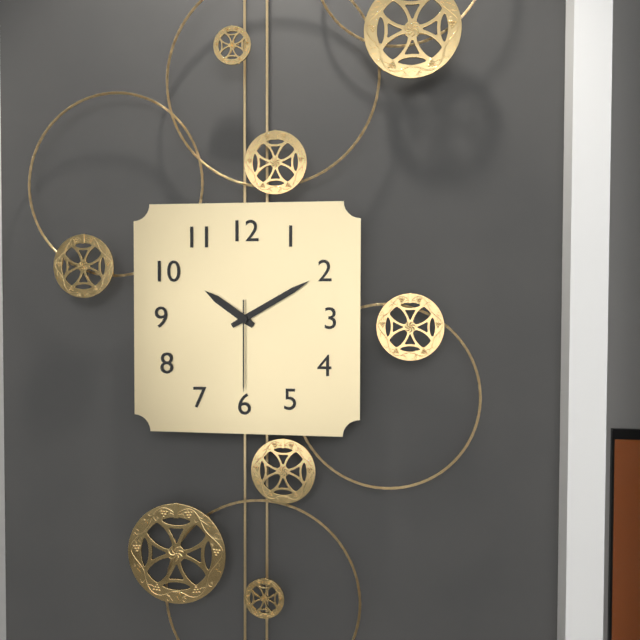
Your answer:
**10:10:30**
